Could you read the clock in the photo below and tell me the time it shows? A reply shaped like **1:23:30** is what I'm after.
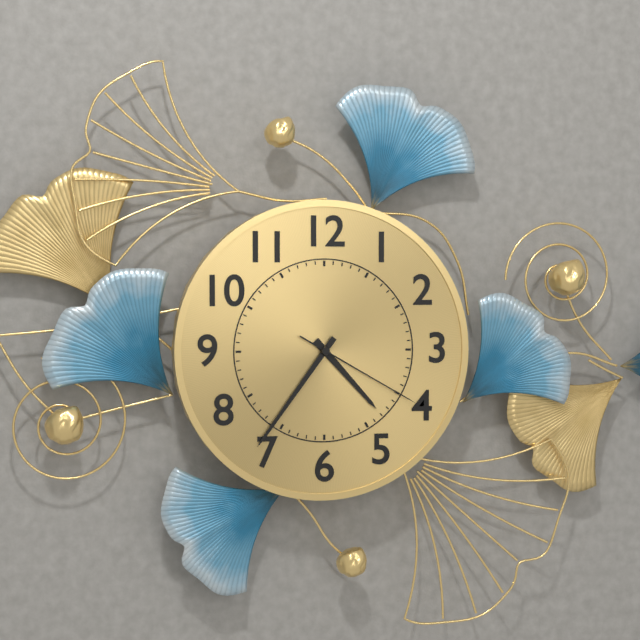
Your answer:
**4:36:20**
